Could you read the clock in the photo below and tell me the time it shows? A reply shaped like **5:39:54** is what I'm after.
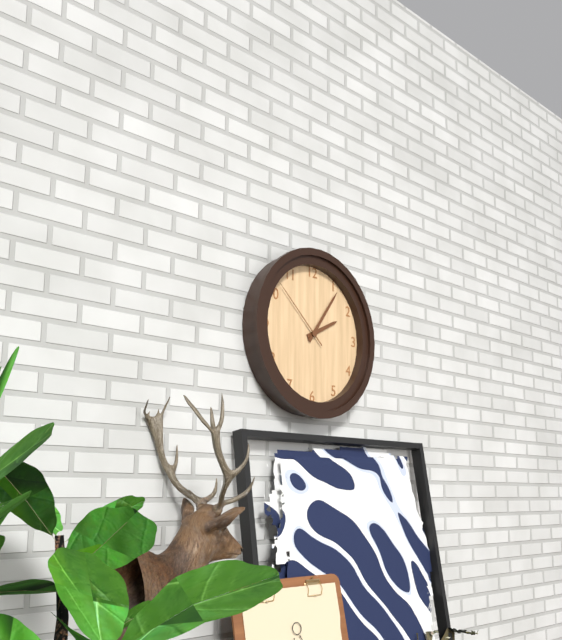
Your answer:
**2:06:52**
